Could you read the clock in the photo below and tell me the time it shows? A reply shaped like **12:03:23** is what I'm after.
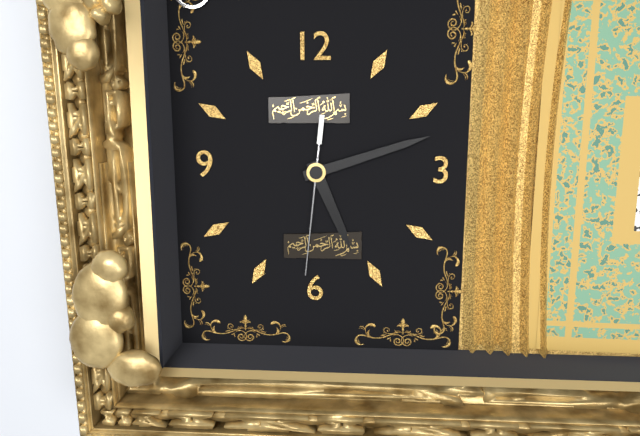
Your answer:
**5:12:31**
